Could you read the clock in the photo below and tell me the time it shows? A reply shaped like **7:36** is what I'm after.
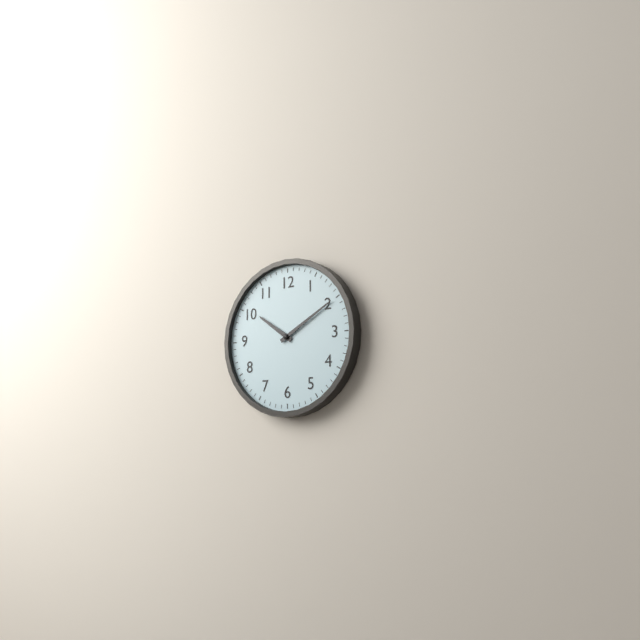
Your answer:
**10:10**
